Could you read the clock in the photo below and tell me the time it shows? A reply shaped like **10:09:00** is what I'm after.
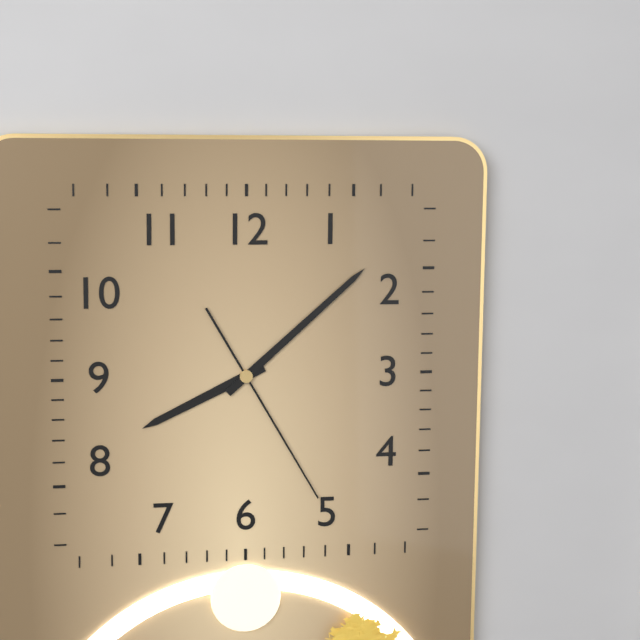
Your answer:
**8:08:25**
